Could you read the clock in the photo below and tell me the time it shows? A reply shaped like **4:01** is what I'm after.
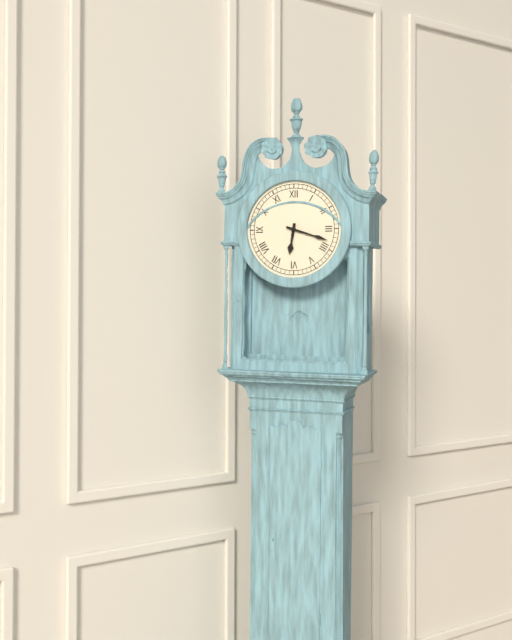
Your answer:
**6:18**
